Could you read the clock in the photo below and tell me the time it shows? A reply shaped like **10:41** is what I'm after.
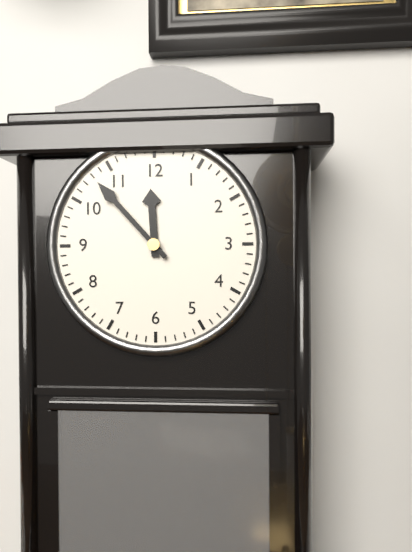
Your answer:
**11:53**
